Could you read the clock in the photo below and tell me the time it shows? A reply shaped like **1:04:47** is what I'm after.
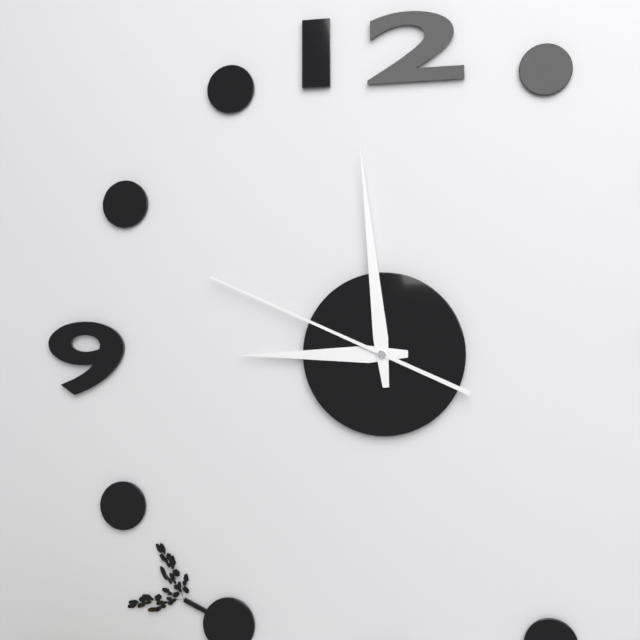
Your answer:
**8:59:49**
